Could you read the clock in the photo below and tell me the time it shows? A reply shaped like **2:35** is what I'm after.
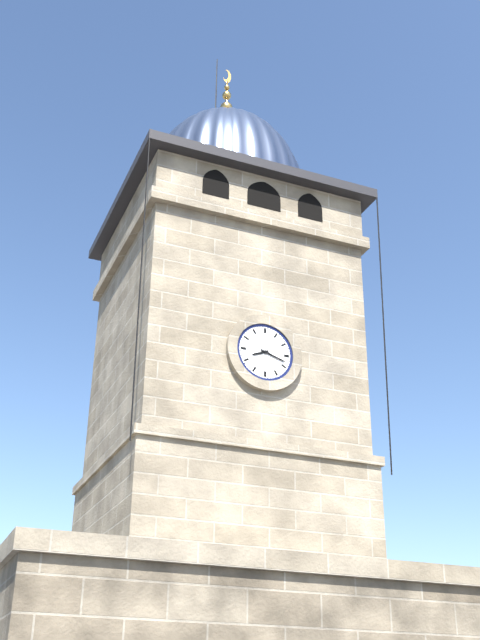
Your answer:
**8:18**
